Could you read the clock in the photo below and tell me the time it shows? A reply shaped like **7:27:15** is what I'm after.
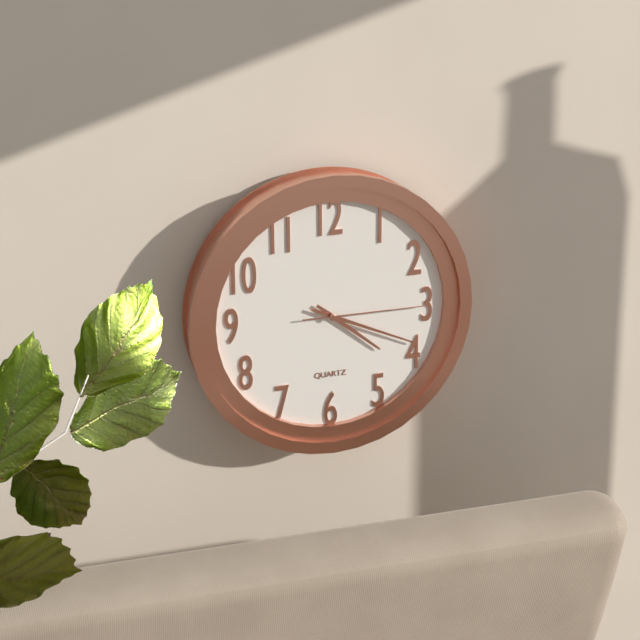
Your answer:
**4:19:15**
